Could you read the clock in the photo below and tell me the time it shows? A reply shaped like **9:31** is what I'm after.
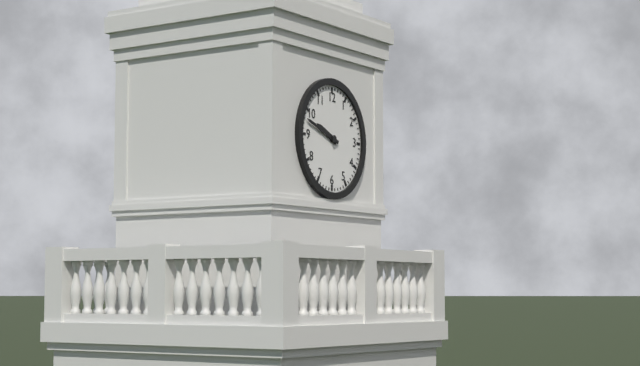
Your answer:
**9:48**
